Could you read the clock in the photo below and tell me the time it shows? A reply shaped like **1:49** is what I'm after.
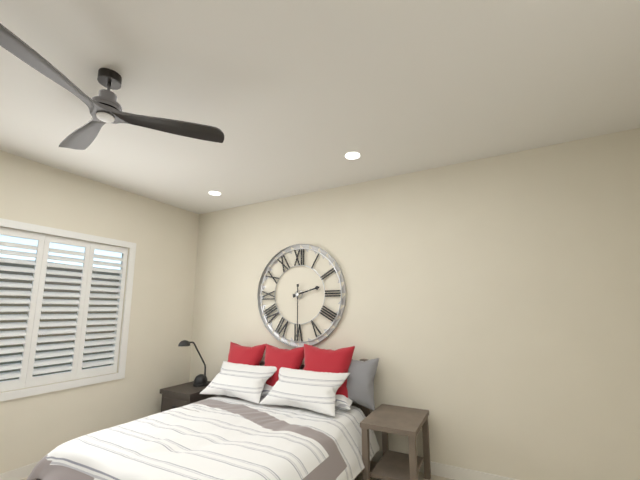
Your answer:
**2:30**
